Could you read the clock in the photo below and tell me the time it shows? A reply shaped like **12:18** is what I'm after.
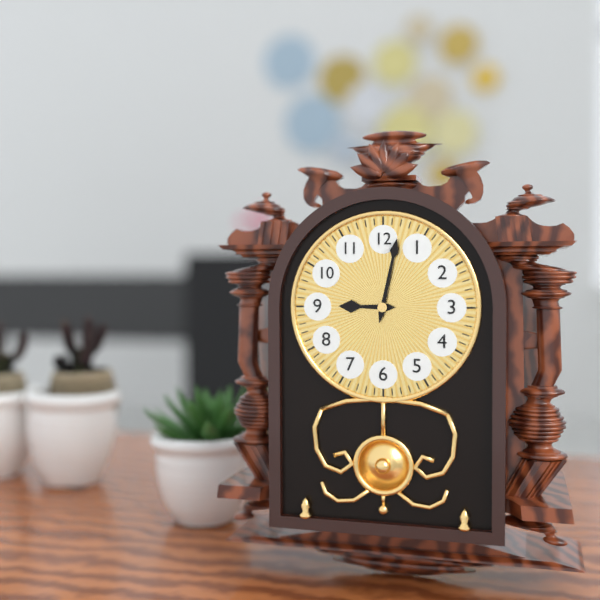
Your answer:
**9:02**
